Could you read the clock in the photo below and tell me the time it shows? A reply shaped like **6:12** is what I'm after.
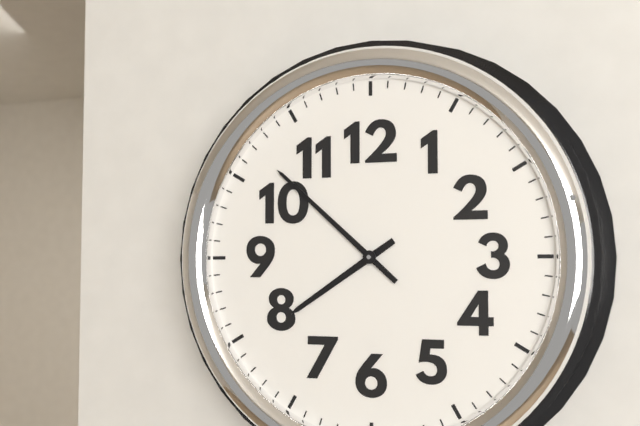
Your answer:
**7:52**
